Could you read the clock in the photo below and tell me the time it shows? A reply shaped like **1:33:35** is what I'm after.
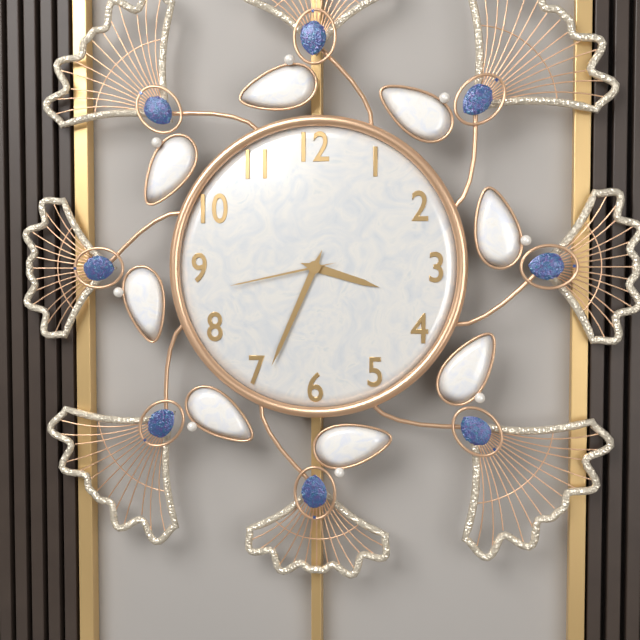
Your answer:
**3:34:43**
